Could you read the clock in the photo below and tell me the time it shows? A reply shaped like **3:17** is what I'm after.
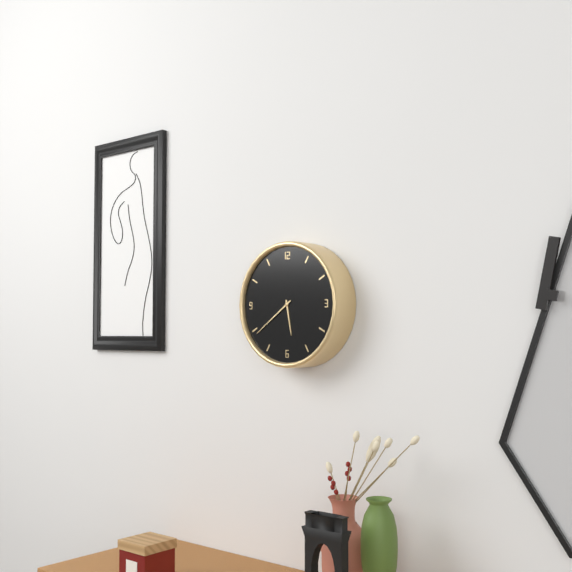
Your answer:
**5:39**
